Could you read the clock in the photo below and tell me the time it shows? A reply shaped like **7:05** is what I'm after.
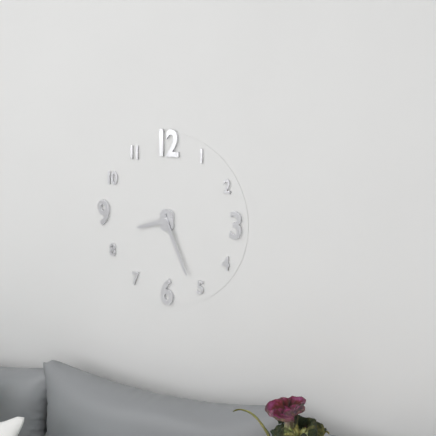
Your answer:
**8:26**
